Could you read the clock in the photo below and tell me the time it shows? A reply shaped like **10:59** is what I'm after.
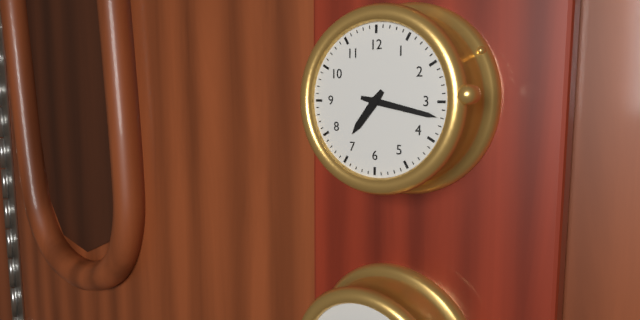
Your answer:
**7:17**
